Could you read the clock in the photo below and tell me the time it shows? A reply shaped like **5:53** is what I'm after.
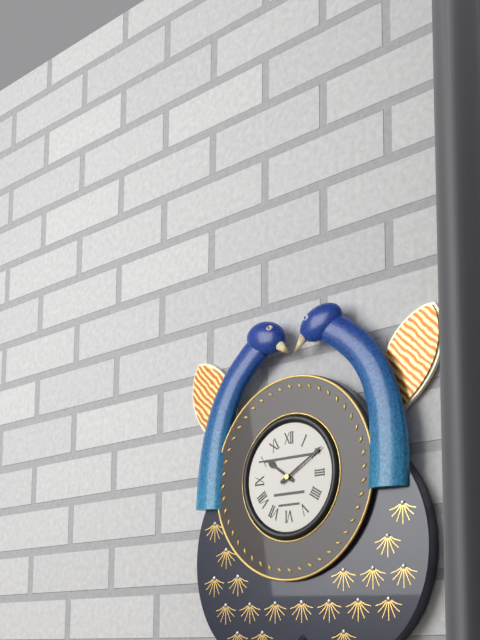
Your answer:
**10:10**
